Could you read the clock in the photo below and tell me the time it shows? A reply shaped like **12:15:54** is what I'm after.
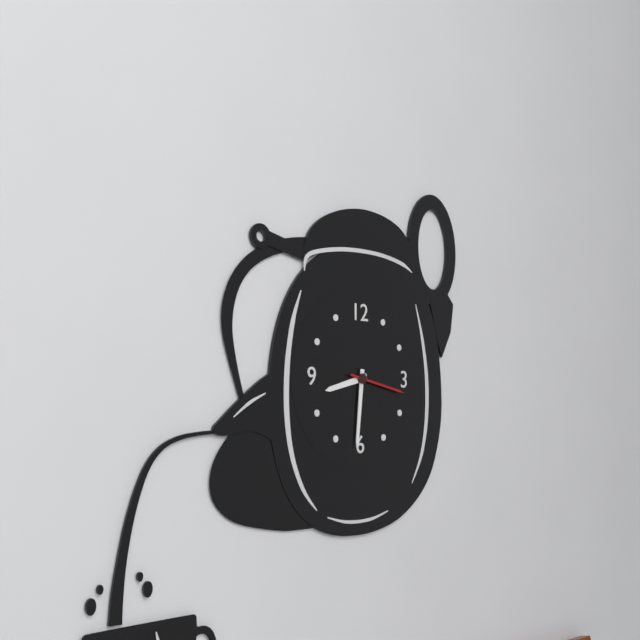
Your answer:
**8:31:17**
